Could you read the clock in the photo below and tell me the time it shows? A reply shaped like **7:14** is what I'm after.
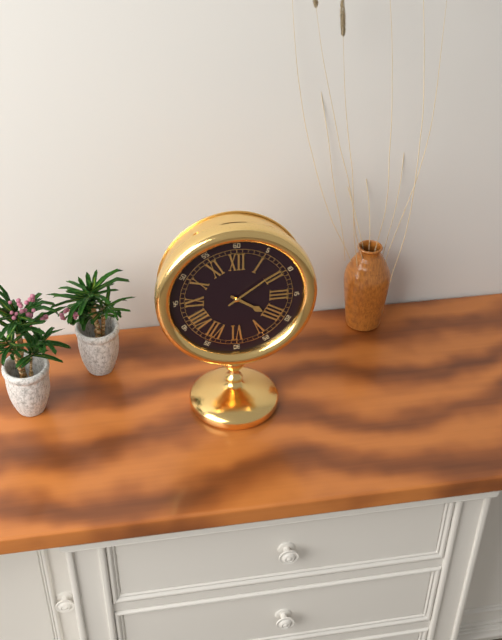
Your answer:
**4:09**
